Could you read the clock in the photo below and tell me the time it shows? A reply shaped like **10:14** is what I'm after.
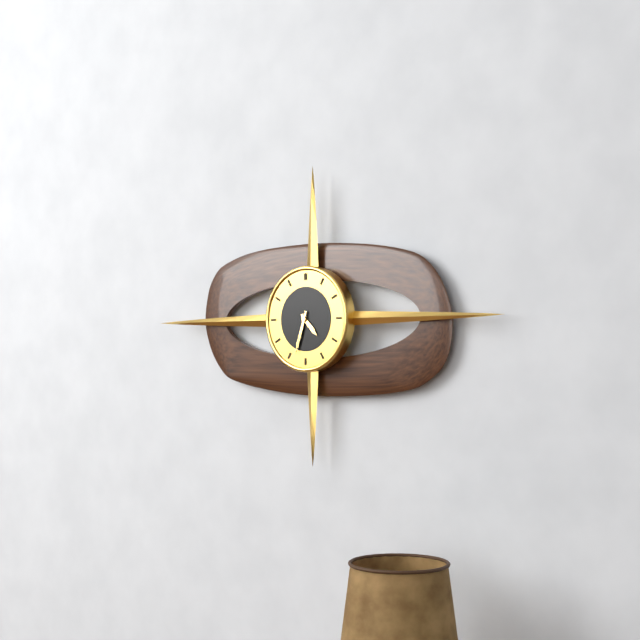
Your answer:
**4:33**
